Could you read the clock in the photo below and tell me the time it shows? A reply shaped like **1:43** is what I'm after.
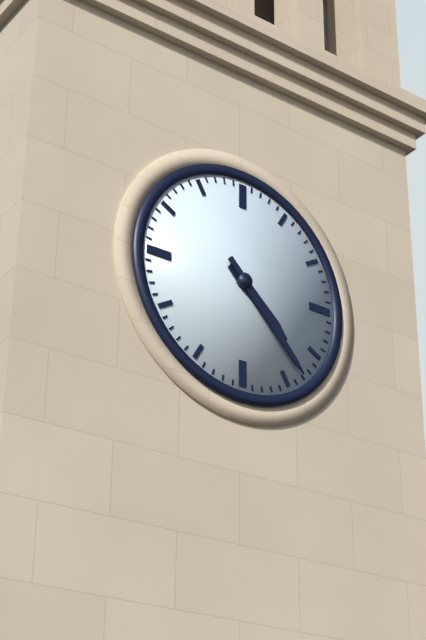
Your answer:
**4:23**
